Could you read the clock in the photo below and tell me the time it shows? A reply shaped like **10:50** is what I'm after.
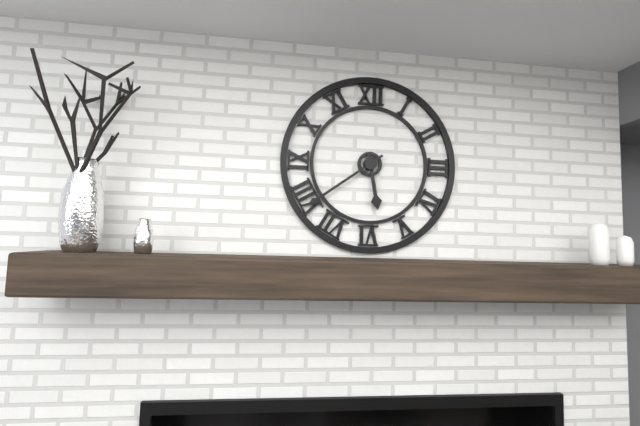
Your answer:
**5:39**
